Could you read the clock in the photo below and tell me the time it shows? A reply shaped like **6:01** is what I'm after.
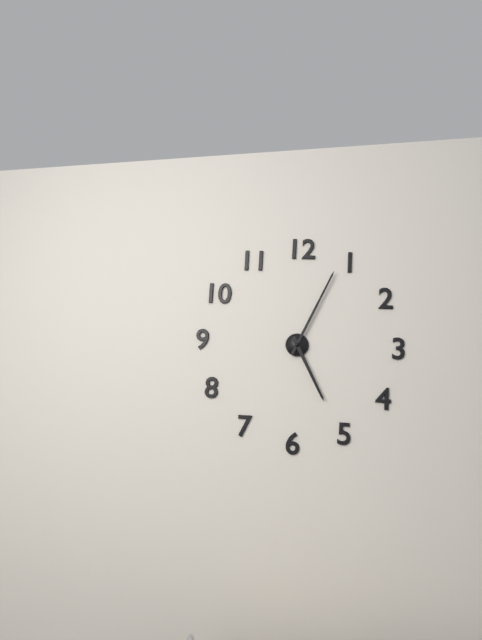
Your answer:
**5:04**
